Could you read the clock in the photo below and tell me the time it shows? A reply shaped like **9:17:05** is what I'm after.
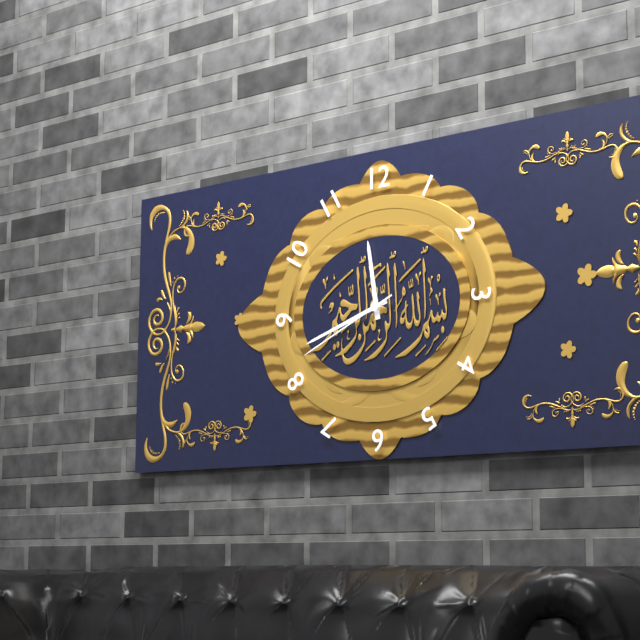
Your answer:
**11:42:41**
